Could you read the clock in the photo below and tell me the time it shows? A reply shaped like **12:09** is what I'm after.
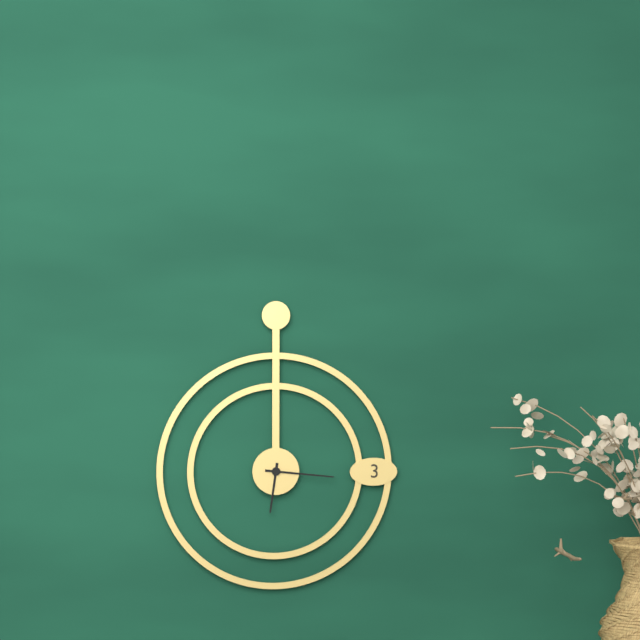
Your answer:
**6:16**
